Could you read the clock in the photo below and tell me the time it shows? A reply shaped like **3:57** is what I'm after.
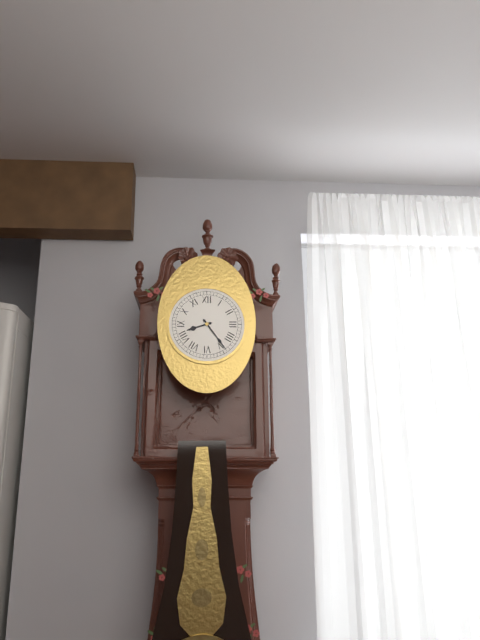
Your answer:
**8:24**
